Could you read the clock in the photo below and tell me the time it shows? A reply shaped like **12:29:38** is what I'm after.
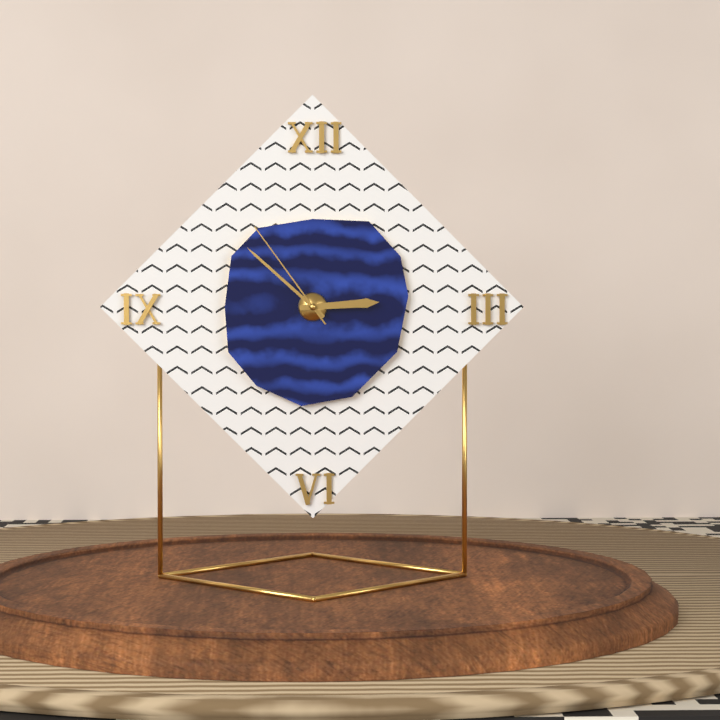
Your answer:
**2:52:54**
